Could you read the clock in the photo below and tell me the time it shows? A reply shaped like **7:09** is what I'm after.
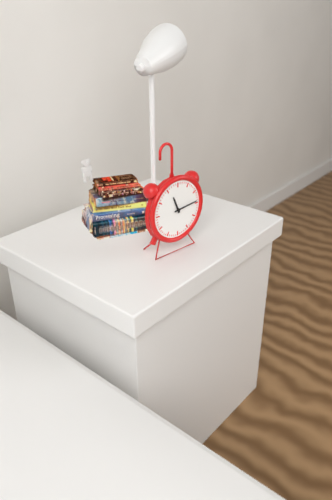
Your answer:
**11:14**
